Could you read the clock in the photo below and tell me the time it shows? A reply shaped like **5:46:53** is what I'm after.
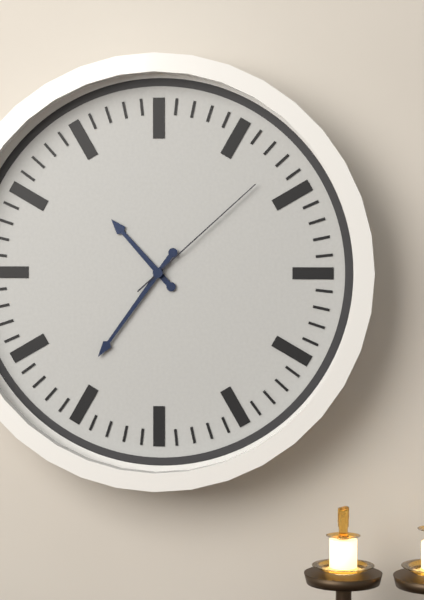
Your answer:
**10:36:08**
